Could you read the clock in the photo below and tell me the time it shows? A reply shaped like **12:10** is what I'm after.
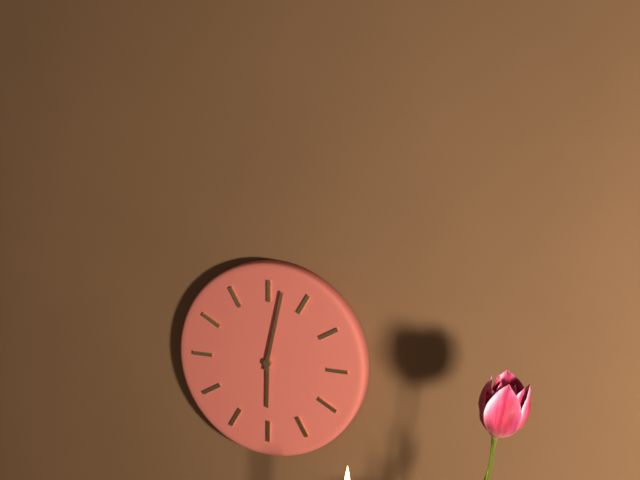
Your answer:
**6:02**
